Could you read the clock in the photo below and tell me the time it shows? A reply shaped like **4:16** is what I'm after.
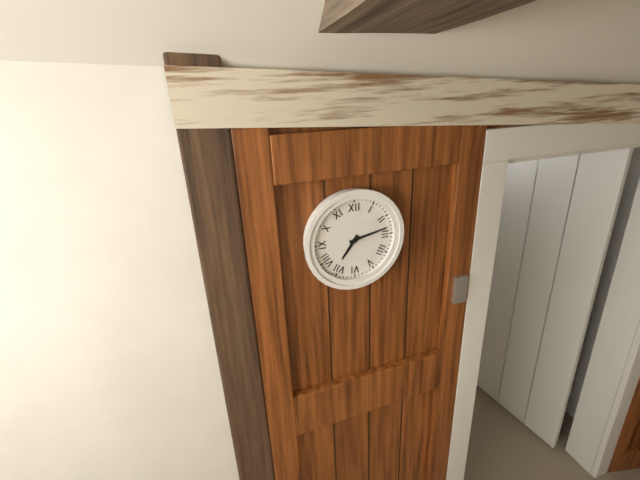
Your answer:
**7:13**
